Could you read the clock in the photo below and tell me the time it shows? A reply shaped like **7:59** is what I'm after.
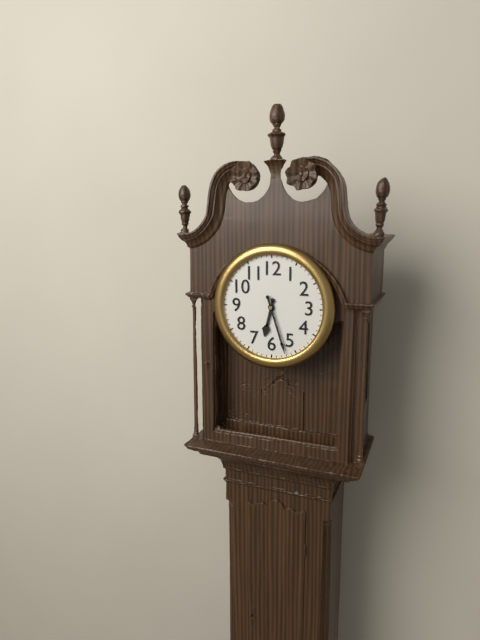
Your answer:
**6:27**
